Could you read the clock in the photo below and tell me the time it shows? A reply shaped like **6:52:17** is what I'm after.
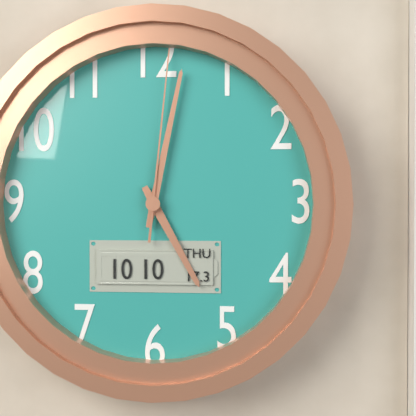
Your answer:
**5:02:01**
